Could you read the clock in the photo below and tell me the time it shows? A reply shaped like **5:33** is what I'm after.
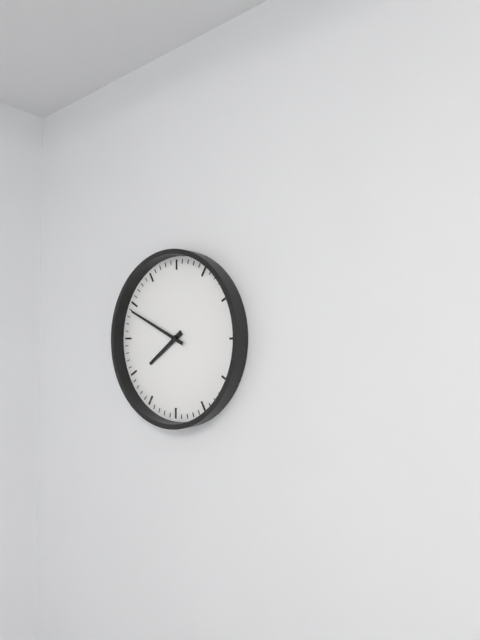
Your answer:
**7:49**
